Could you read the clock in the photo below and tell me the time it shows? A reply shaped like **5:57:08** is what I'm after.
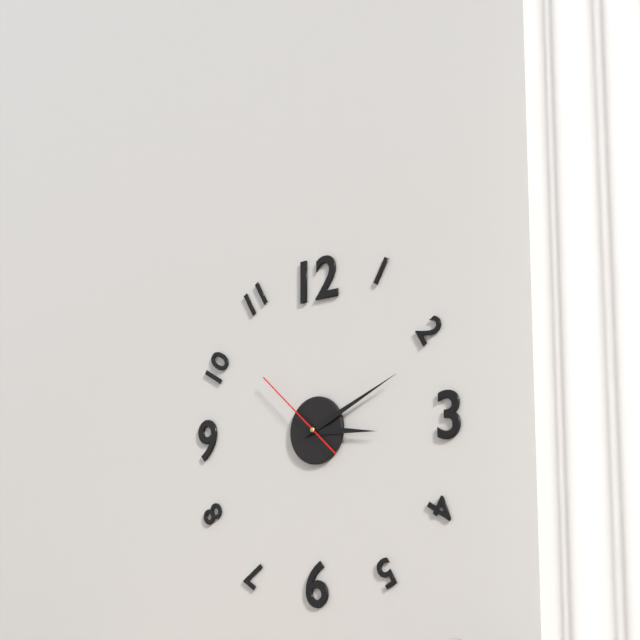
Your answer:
**3:11:52**
